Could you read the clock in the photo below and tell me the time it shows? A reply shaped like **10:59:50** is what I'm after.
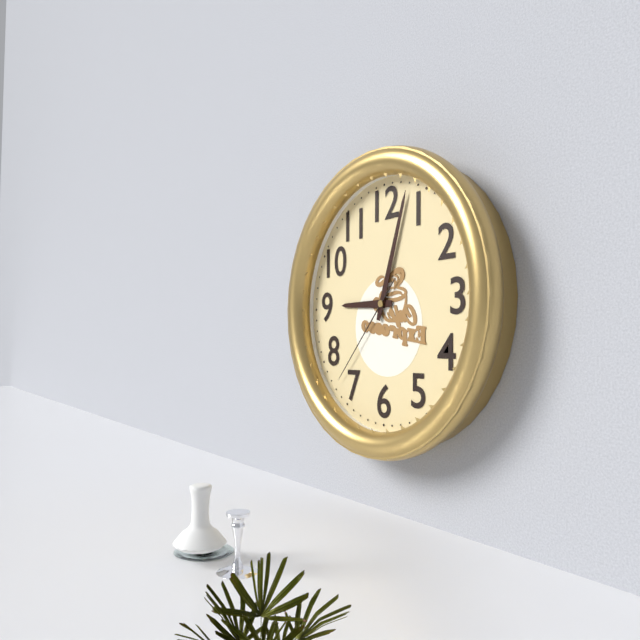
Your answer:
**9:03:37**
